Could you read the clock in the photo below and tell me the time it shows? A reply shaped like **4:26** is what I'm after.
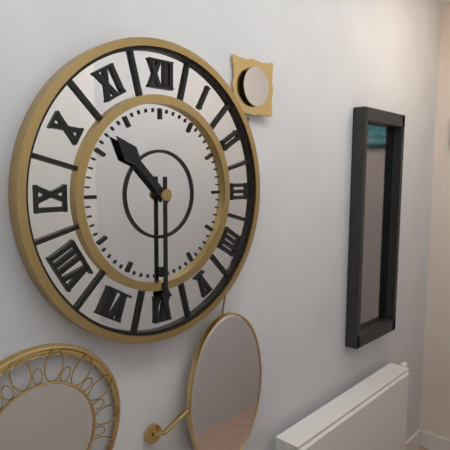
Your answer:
**10:30**
